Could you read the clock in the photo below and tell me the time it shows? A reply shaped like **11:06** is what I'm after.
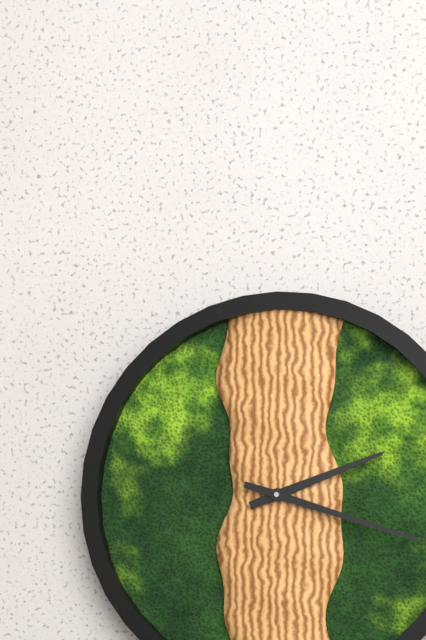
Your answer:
**2:18**
